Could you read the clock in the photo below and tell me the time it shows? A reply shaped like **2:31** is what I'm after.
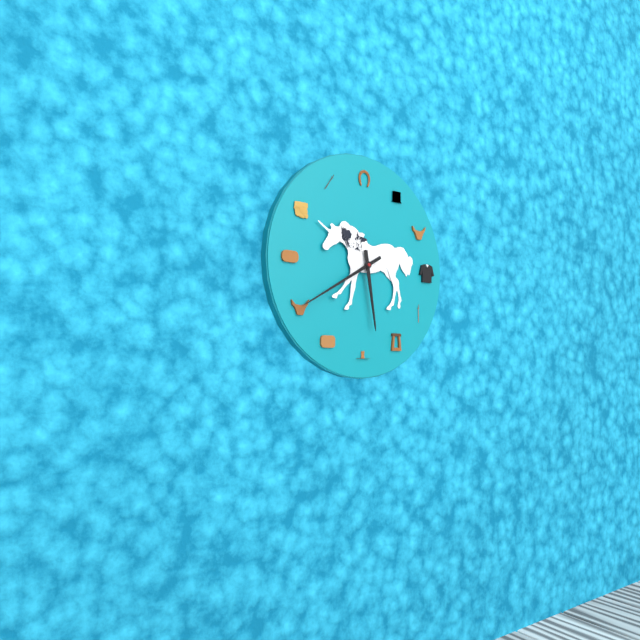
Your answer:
**5:40**
